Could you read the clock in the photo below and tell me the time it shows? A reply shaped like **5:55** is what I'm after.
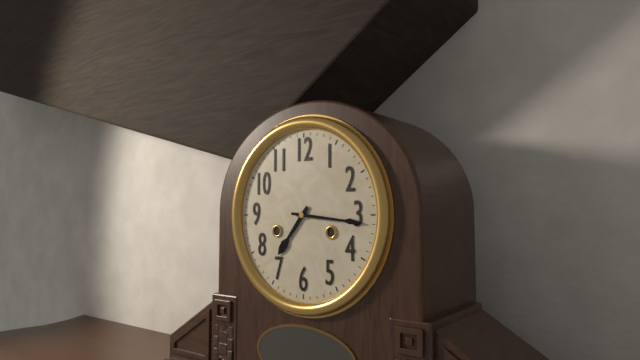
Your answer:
**7:16**
